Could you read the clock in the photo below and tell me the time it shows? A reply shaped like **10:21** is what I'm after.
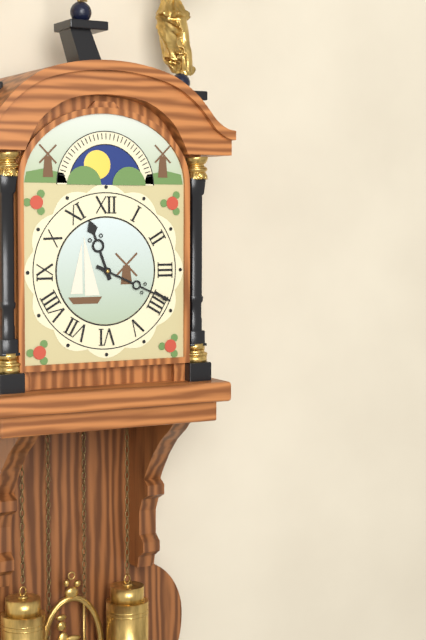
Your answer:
**11:19**
